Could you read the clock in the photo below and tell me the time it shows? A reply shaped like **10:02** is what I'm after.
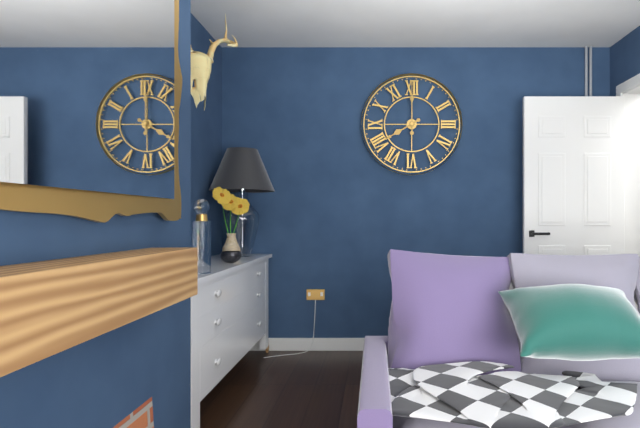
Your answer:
**8:00**
